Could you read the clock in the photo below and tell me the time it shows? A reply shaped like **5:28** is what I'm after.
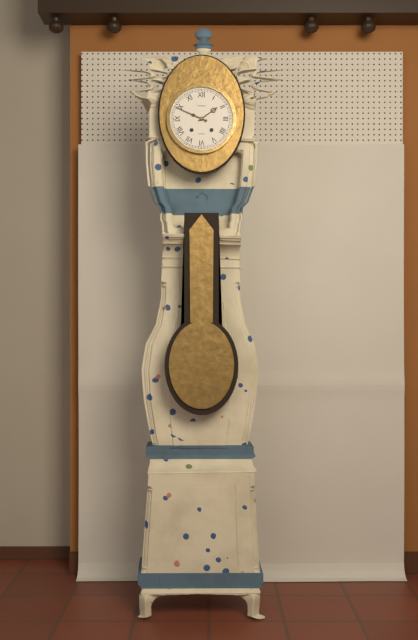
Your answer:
**1:49**
